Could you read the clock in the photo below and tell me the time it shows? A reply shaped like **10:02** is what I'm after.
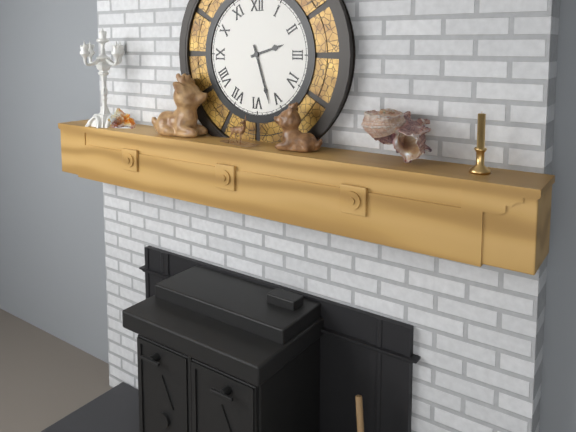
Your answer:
**2:27**
